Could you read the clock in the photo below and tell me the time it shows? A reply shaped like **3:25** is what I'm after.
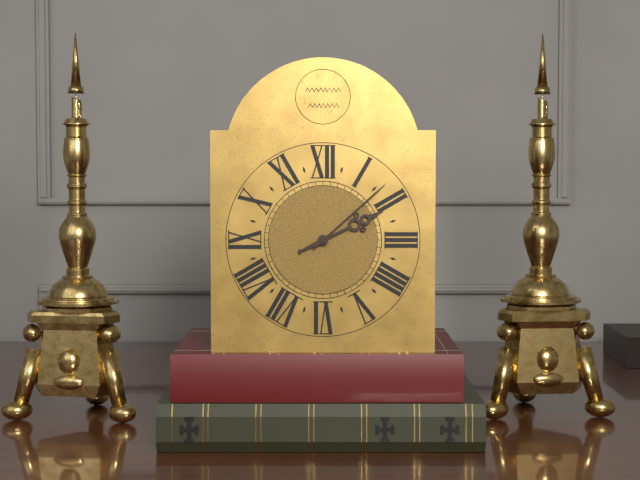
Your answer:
**2:08**
